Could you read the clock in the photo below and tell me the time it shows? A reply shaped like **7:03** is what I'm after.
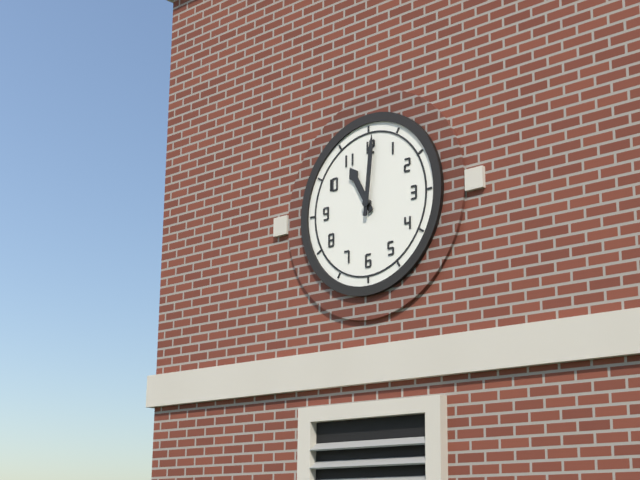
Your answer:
**11:01**
